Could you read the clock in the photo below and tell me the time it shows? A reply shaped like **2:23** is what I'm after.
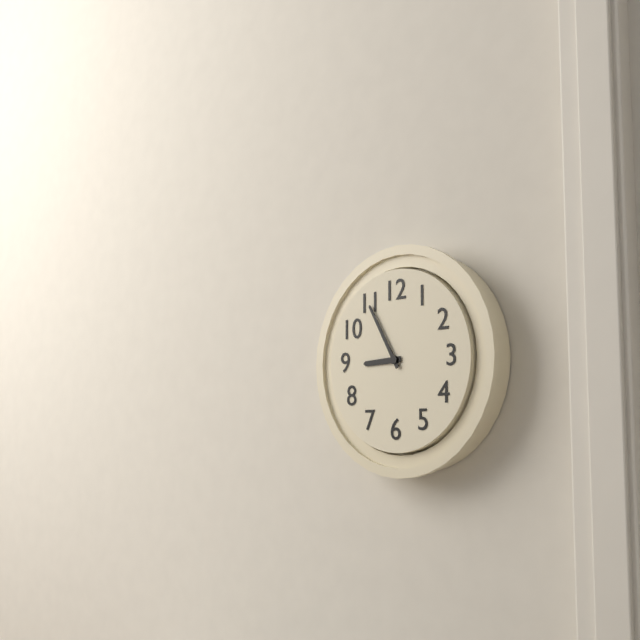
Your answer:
**8:55**
